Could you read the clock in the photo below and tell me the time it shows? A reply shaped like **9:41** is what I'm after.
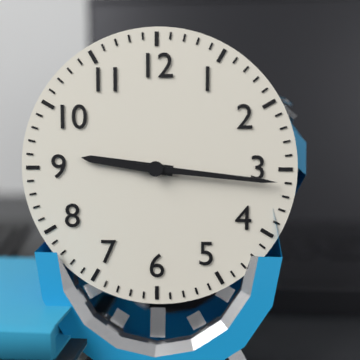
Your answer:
**9:16**
